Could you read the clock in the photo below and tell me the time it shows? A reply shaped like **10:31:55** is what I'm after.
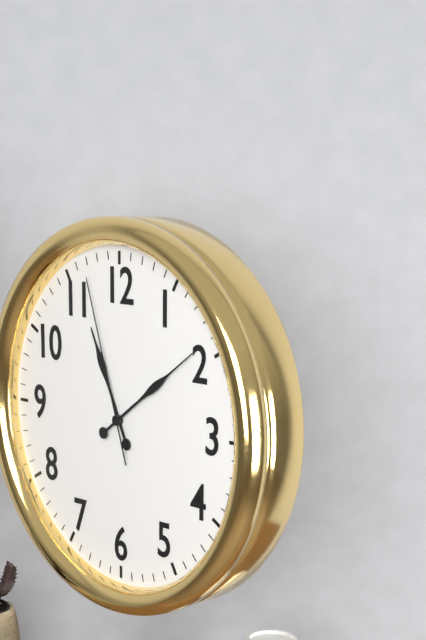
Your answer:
**11:09:57**
